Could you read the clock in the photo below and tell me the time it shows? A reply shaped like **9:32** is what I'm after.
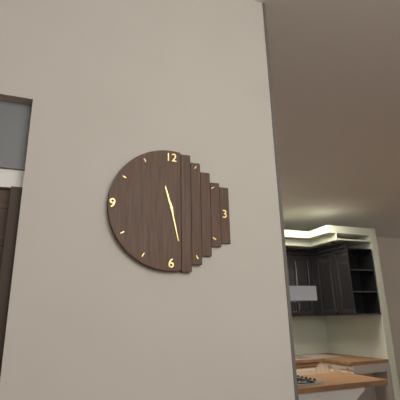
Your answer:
**11:28**
